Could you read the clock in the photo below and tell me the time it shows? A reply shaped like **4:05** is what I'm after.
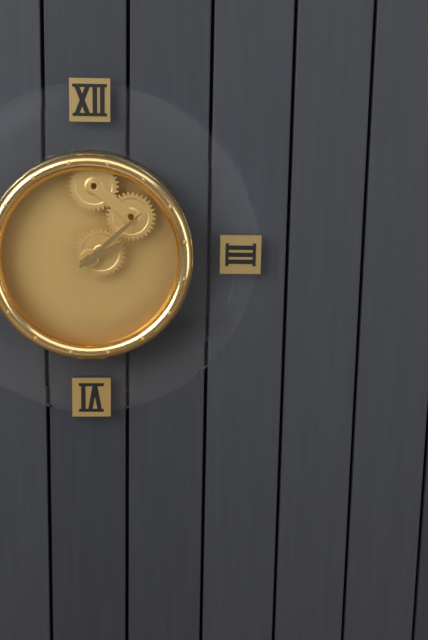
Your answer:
**2:08**
